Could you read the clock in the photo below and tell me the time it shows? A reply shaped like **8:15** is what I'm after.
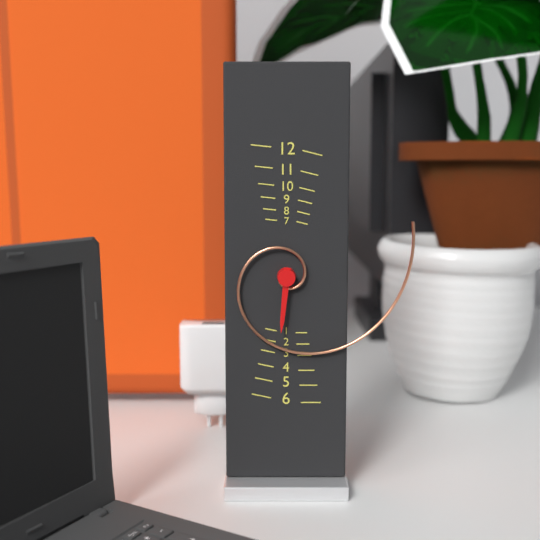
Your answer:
**6:11**
